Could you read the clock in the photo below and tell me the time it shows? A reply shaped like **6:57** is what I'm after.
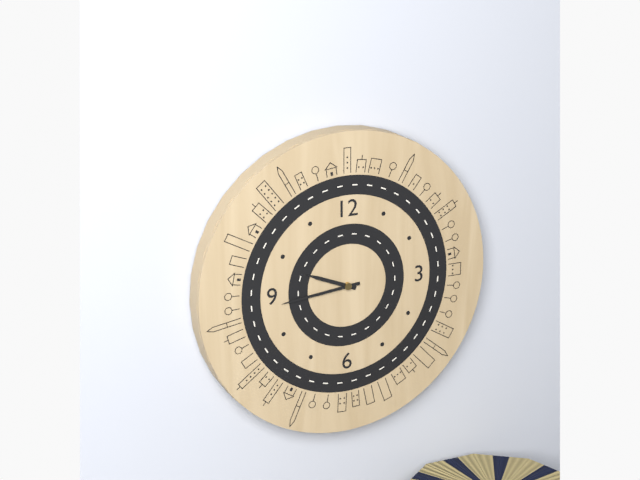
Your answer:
**9:44**
